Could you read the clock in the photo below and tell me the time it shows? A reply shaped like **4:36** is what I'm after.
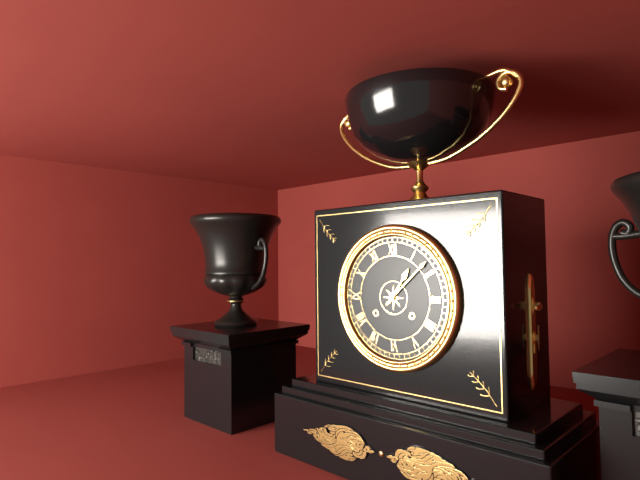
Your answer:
**1:08**
